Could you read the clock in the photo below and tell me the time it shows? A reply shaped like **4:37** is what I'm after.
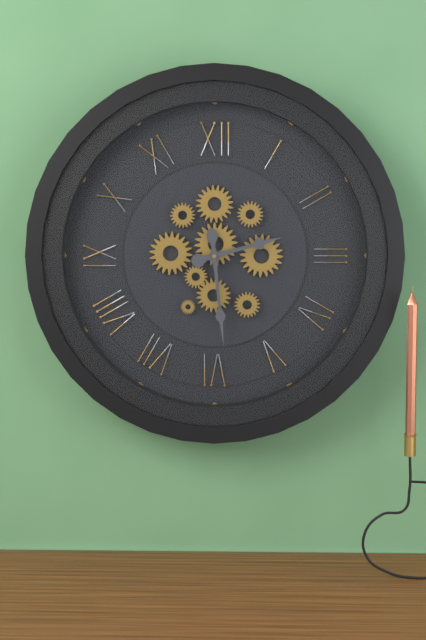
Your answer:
**2:29**
